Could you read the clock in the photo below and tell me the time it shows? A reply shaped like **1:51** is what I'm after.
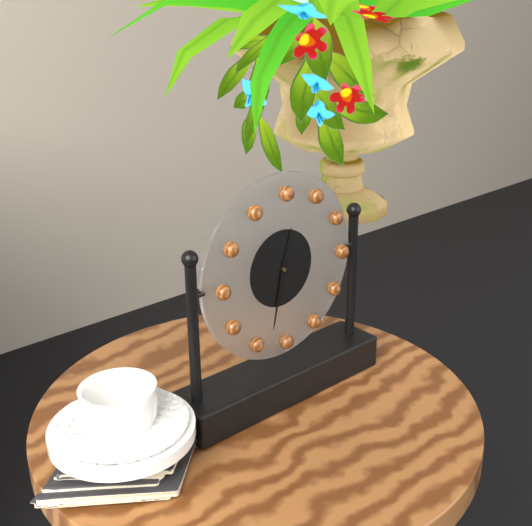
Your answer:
**12:32**
